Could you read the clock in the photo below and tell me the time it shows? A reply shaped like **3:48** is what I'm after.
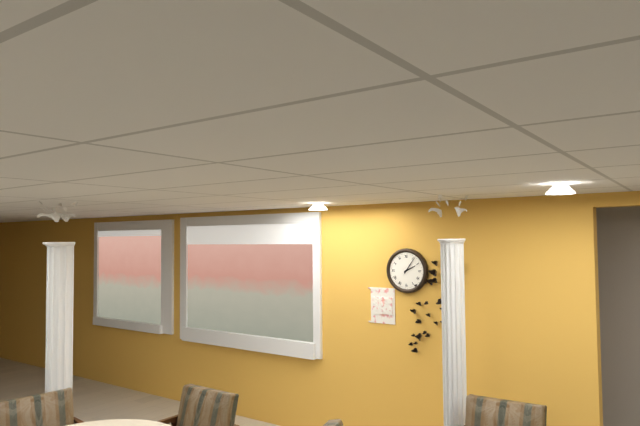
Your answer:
**2:06**
